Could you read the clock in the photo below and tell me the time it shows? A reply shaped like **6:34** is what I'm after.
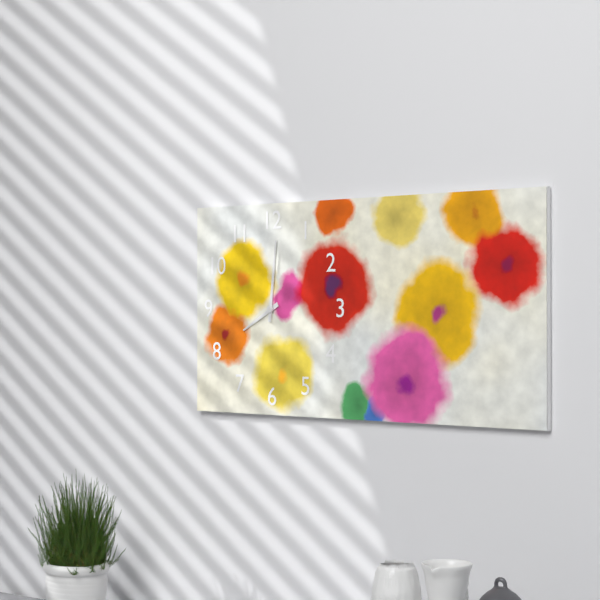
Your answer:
**8:01**
